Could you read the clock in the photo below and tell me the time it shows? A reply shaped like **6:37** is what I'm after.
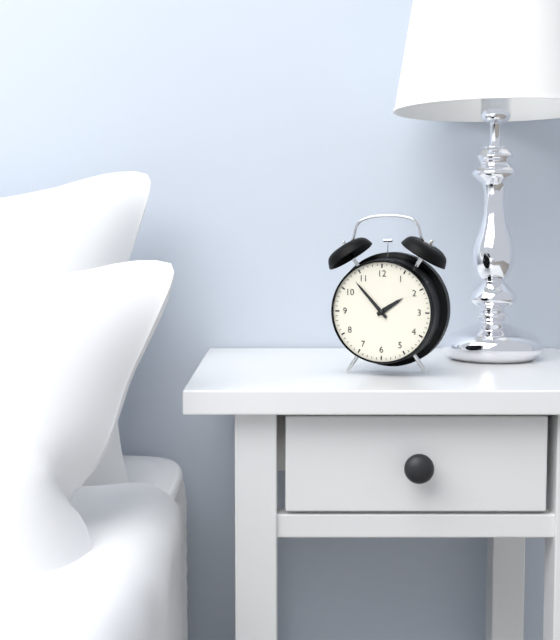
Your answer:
**1:53**
